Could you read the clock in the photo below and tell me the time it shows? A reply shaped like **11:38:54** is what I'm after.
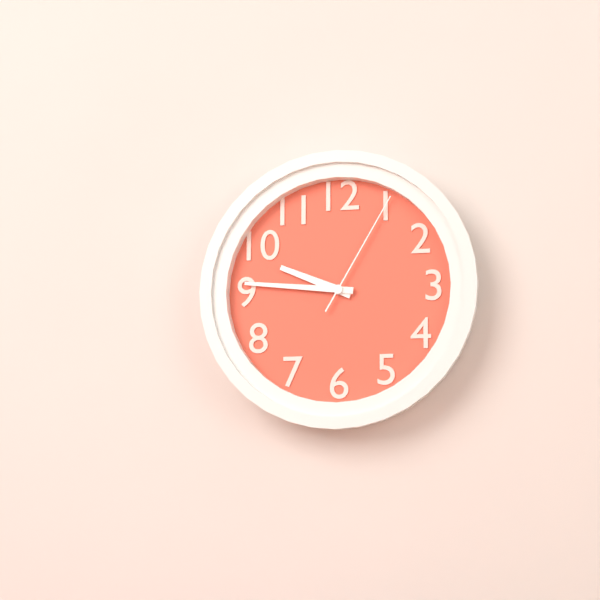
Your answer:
**9:46:05**
